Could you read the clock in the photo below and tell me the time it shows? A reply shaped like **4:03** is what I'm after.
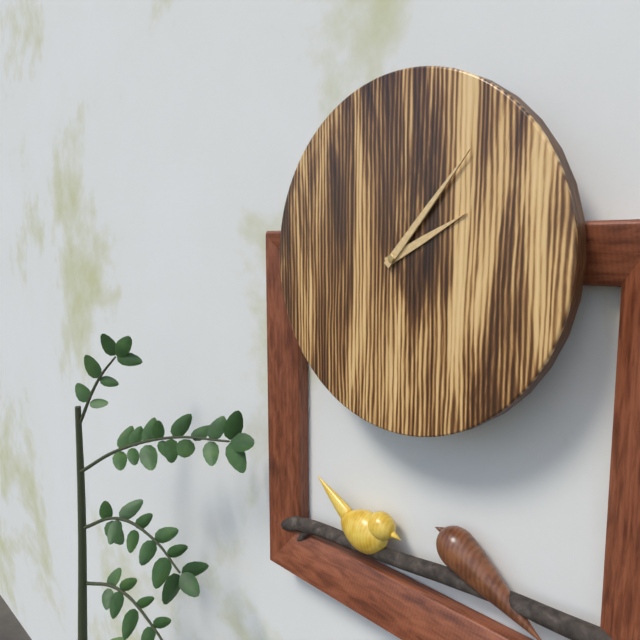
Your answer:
**2:07**
